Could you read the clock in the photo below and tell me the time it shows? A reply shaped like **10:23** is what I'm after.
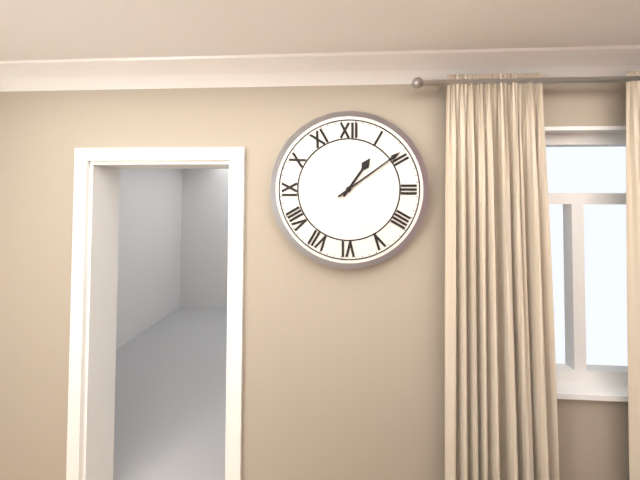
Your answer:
**1:09**
